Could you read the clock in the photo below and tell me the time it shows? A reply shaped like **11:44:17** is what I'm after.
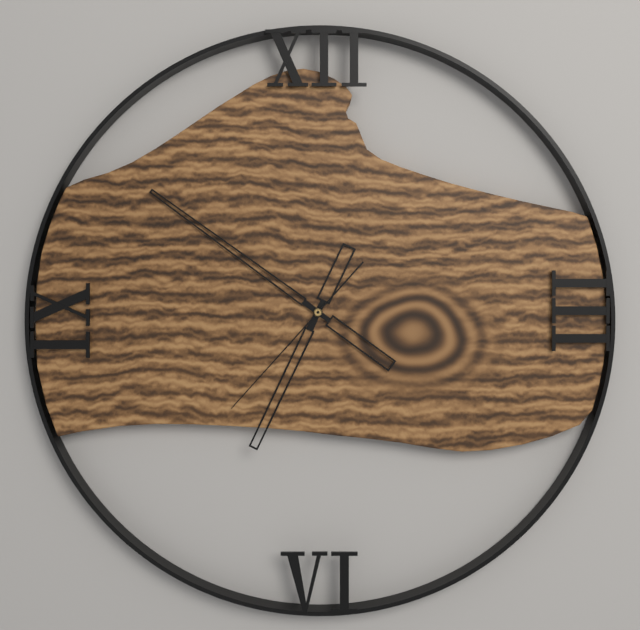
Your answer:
**6:51:37**
